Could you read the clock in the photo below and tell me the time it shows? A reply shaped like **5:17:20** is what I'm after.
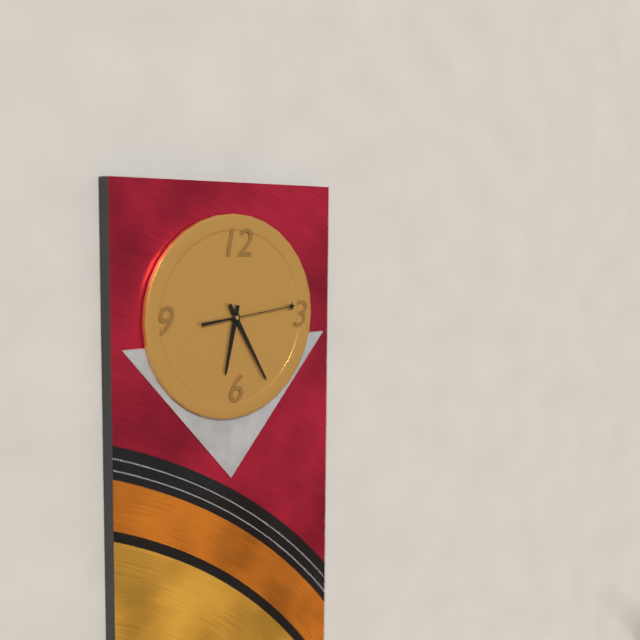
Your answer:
**6:25:14**
